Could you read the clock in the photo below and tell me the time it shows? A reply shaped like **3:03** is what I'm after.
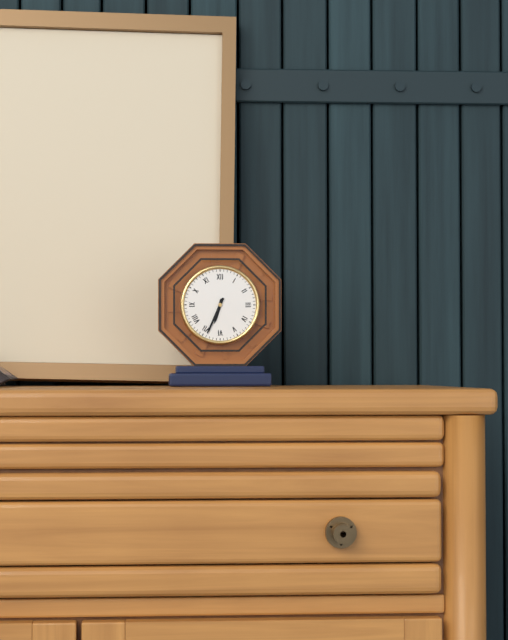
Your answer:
**6:34**
